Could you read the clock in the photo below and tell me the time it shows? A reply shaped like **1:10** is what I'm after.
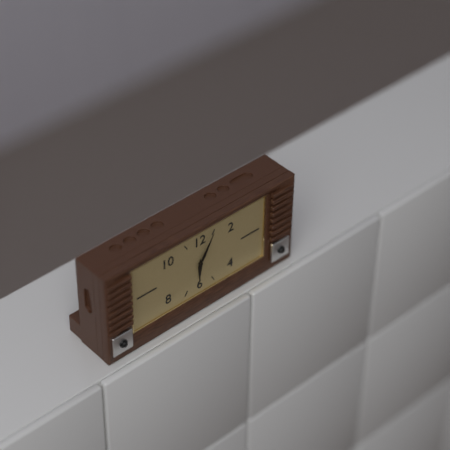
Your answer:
**6:05**
